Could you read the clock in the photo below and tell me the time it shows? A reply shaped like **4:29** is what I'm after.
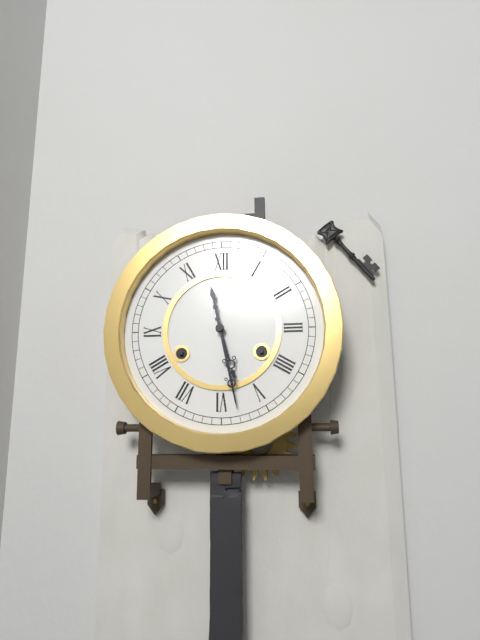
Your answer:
**5:28**
